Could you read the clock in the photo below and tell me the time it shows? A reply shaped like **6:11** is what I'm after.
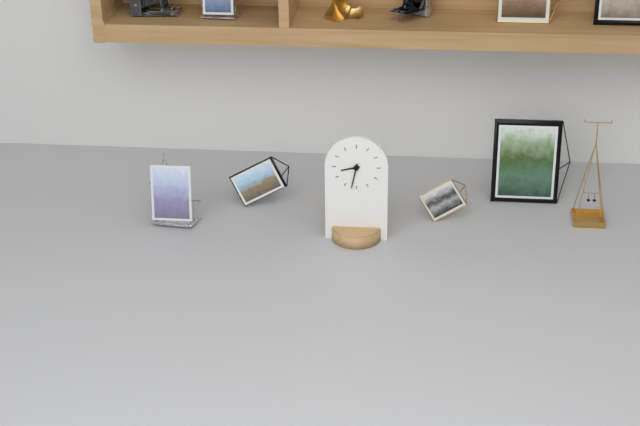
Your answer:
**8:32**
